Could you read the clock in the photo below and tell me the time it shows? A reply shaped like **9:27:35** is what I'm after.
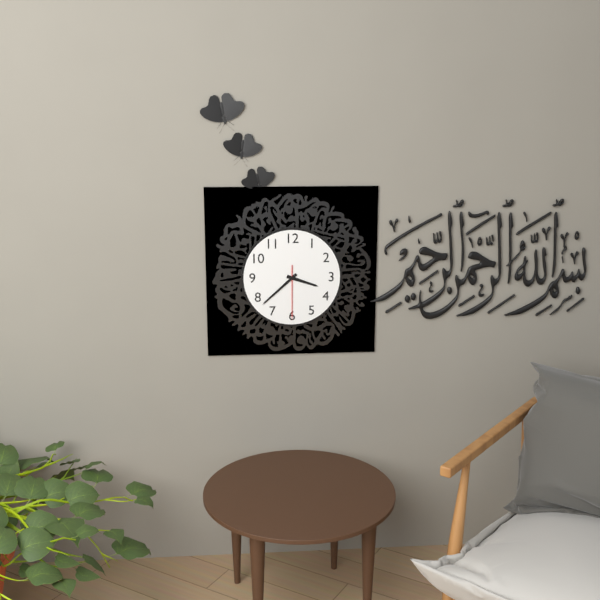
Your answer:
**3:38:30**
